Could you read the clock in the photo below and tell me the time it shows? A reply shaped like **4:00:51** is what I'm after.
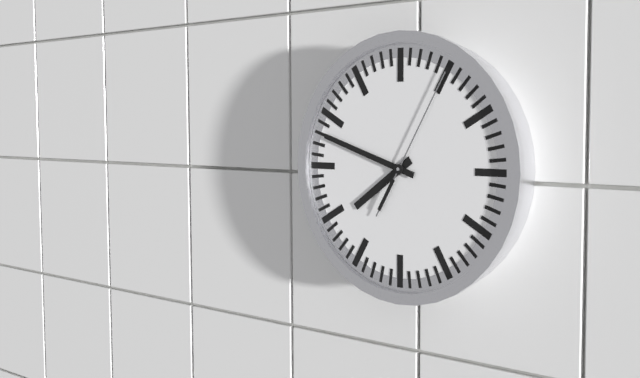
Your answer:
**7:48:05**
